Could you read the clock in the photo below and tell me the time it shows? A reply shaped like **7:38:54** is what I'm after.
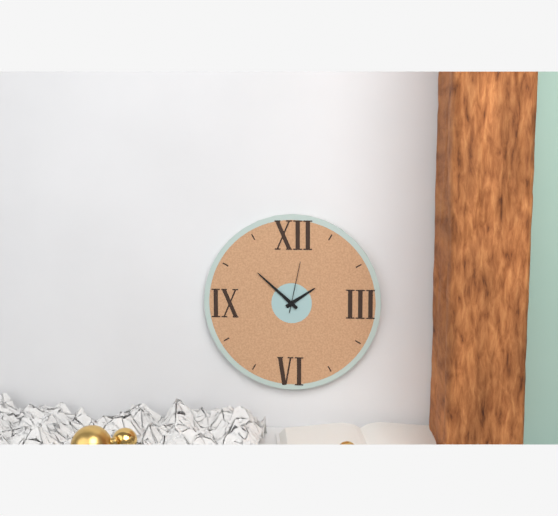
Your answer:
**1:52:02**
